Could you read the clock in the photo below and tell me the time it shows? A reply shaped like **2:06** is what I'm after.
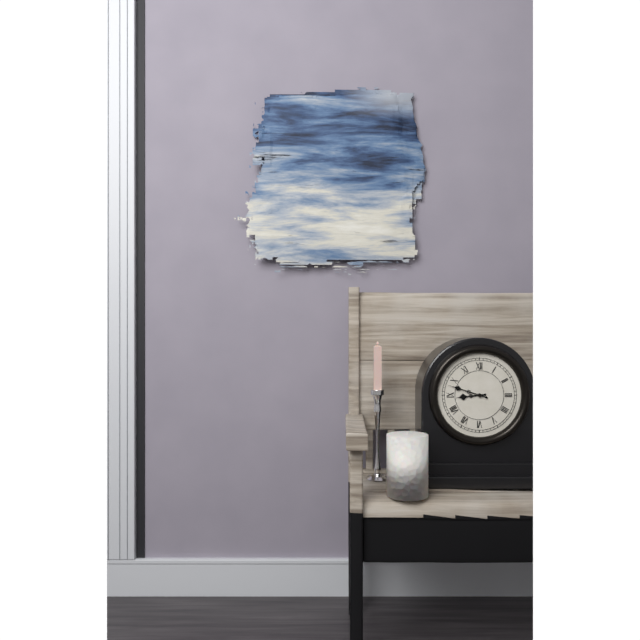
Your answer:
**8:48**
